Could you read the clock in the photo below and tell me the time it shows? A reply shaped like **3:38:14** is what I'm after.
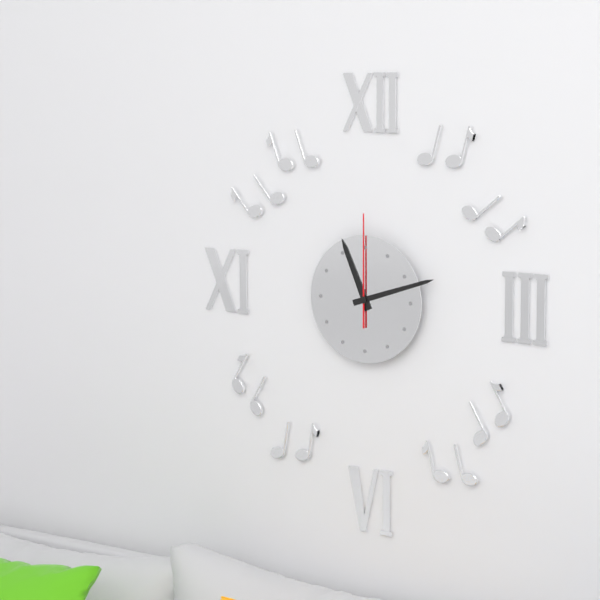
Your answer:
**11:12:00**
